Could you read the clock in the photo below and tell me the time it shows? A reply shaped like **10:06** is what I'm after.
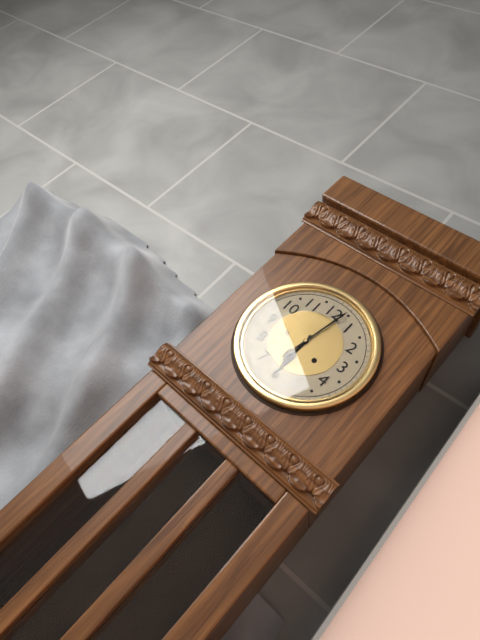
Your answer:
**6:02**
